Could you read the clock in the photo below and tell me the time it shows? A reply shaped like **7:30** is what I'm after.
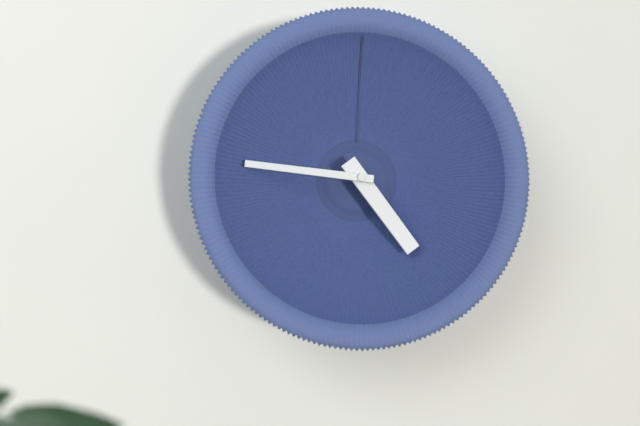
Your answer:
**4:46**
